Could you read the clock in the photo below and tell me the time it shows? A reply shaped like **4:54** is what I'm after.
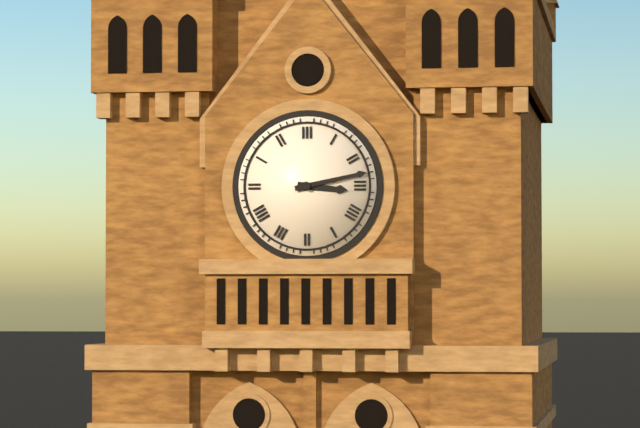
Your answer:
**3:13**
